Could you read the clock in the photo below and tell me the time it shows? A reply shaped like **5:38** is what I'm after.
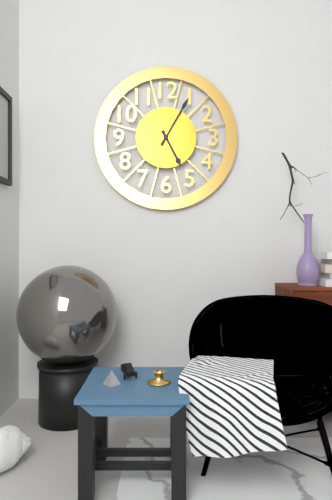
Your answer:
**5:05**
